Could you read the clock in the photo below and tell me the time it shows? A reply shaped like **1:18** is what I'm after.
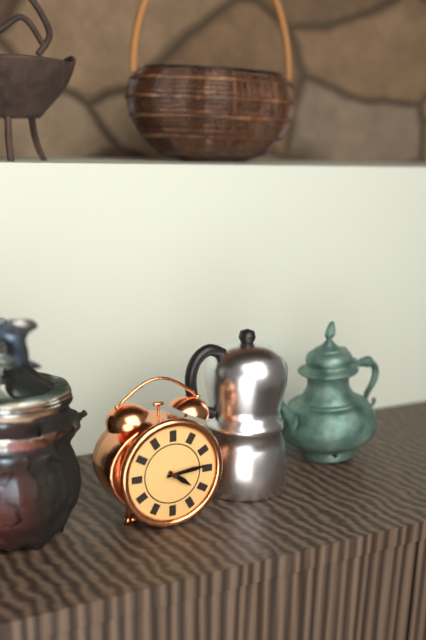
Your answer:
**4:14**
